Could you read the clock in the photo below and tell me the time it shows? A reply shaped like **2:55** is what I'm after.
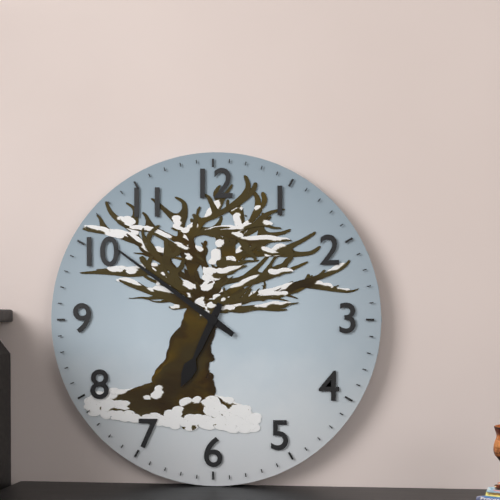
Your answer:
**6:51**
